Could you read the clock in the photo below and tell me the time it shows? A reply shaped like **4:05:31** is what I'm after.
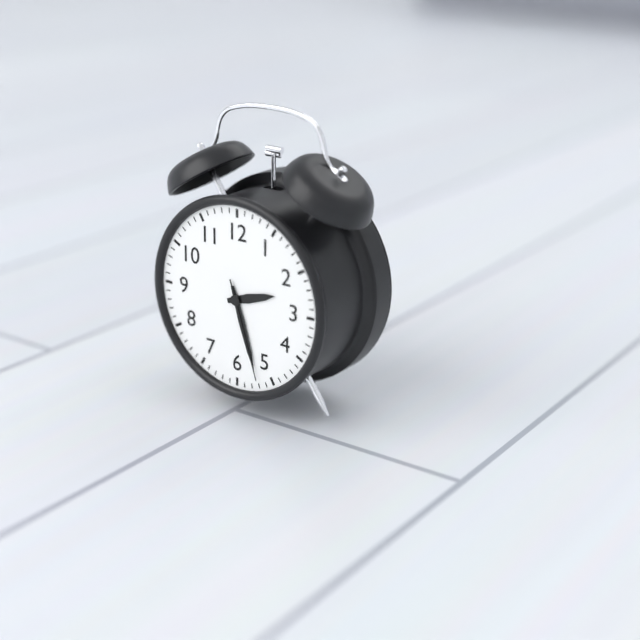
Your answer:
**2:27:27**
